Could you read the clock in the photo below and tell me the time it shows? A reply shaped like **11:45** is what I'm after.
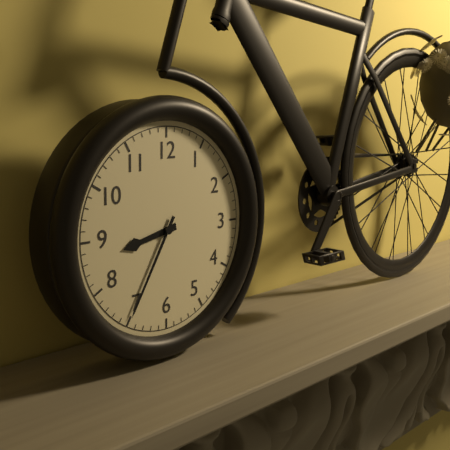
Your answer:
**8:35**
